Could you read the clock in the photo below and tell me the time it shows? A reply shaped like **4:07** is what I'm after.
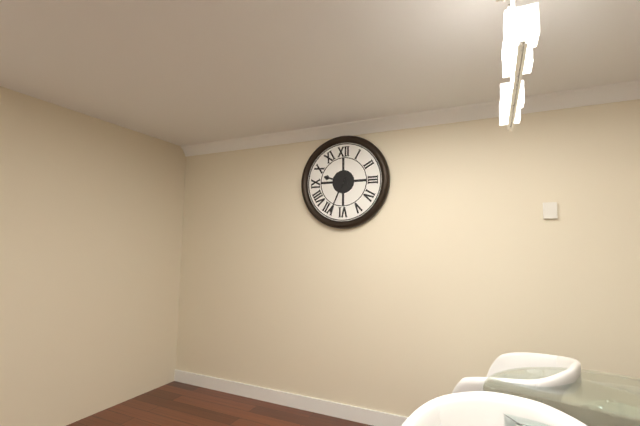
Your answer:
**9:34**
